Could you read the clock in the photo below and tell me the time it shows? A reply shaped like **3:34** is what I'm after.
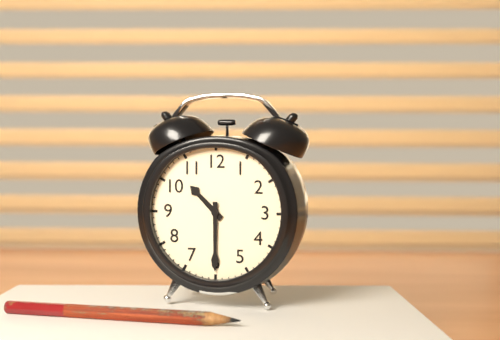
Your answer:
**10:30**
